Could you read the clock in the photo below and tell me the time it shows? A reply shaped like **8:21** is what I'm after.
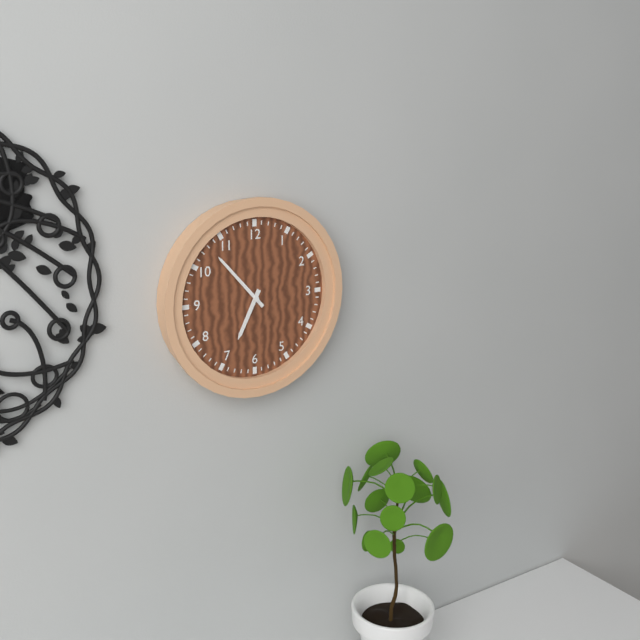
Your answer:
**6:53**
